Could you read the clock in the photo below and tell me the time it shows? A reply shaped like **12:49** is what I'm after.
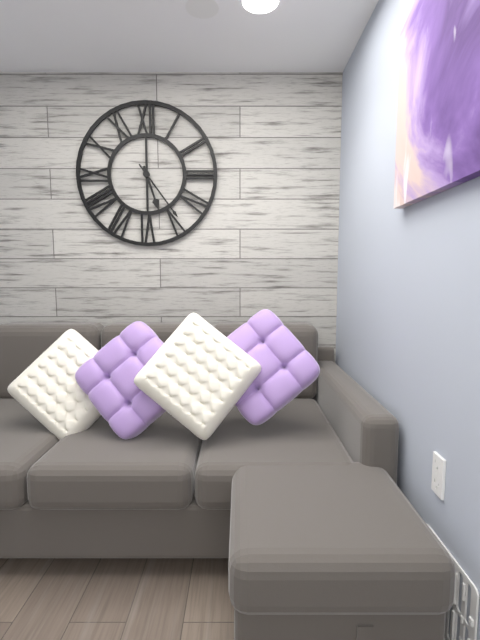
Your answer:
**5:24**
